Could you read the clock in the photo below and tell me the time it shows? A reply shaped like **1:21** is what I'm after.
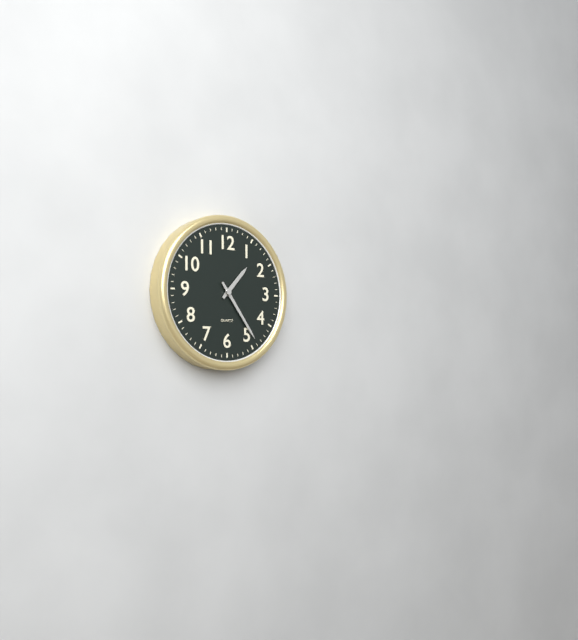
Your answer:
**1:24**
